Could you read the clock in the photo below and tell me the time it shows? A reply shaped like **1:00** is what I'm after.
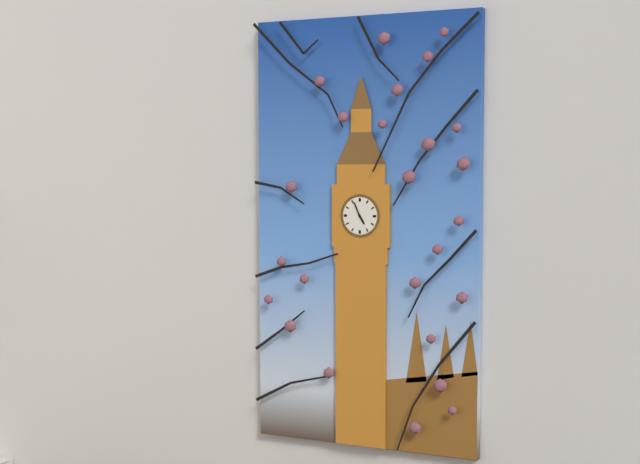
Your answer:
**4:56**
